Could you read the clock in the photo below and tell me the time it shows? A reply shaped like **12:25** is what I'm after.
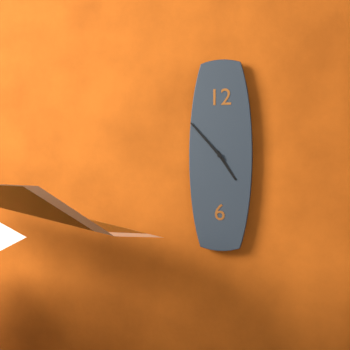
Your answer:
**4:53**
